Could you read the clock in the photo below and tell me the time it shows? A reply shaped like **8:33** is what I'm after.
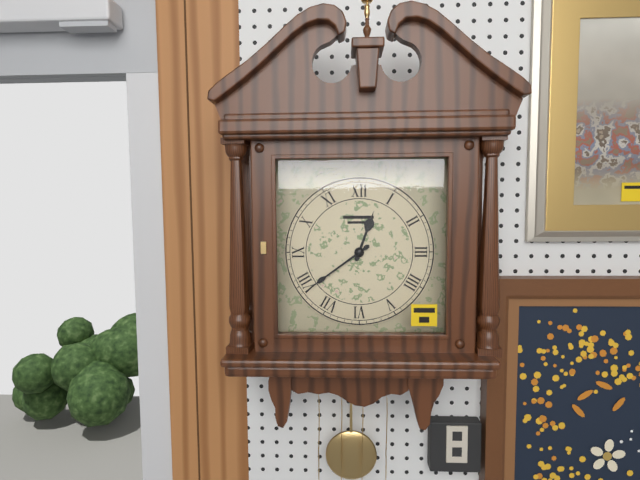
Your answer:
**12:39**
